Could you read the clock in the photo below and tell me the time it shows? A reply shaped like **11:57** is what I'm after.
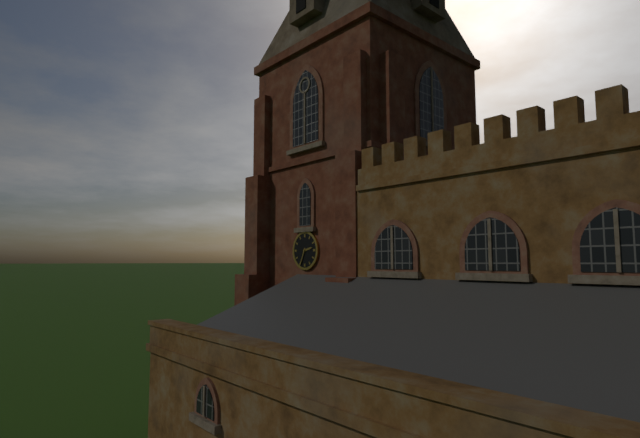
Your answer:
**2:34**
